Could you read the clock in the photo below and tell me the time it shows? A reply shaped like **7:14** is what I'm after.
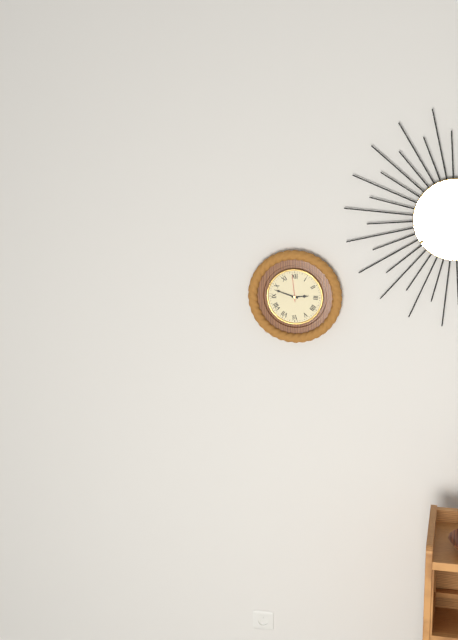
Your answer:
**2:48**
